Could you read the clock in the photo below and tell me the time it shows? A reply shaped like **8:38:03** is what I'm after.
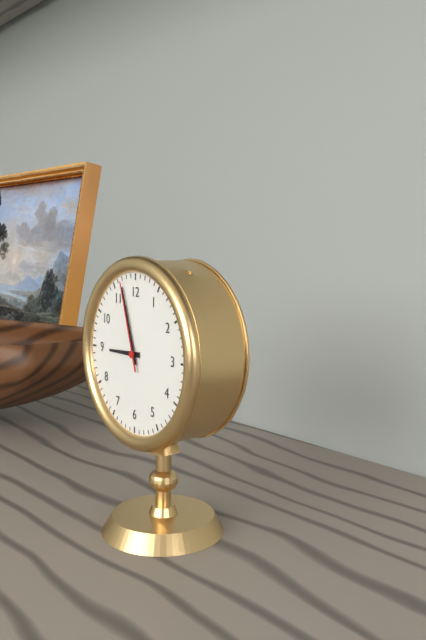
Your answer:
**8:57:57**
